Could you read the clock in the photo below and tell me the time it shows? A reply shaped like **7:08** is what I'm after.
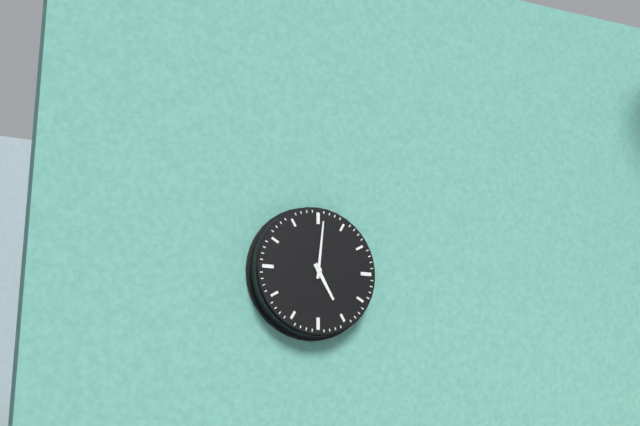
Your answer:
**5:01**
